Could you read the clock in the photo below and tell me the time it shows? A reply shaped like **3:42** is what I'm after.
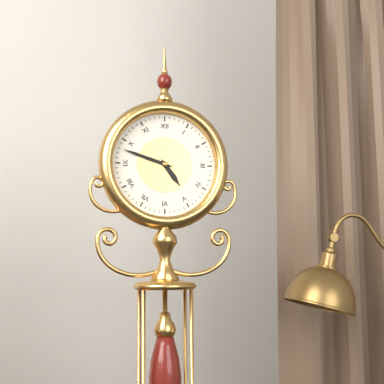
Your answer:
**4:48**
